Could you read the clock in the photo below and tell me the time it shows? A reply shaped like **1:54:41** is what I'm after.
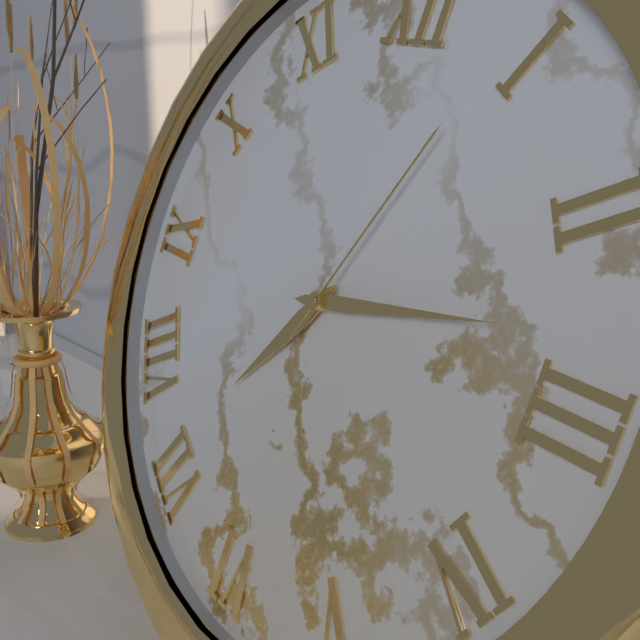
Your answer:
**7:13:04**
